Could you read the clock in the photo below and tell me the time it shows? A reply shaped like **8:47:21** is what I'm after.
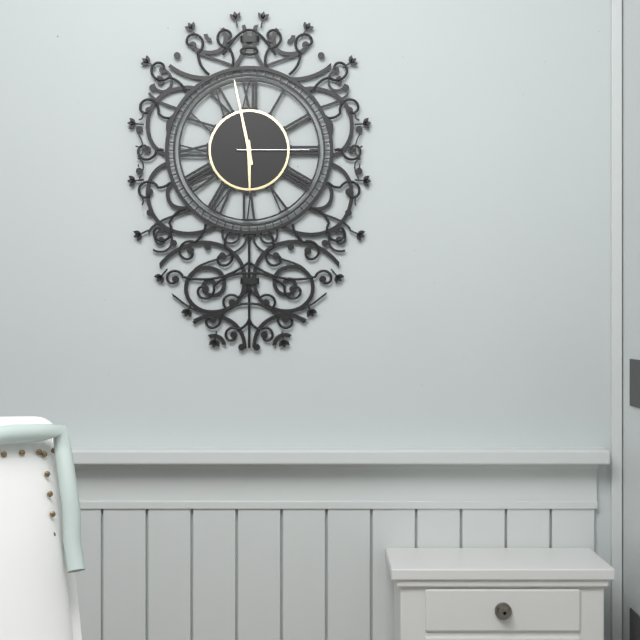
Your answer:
**5:58:15**
